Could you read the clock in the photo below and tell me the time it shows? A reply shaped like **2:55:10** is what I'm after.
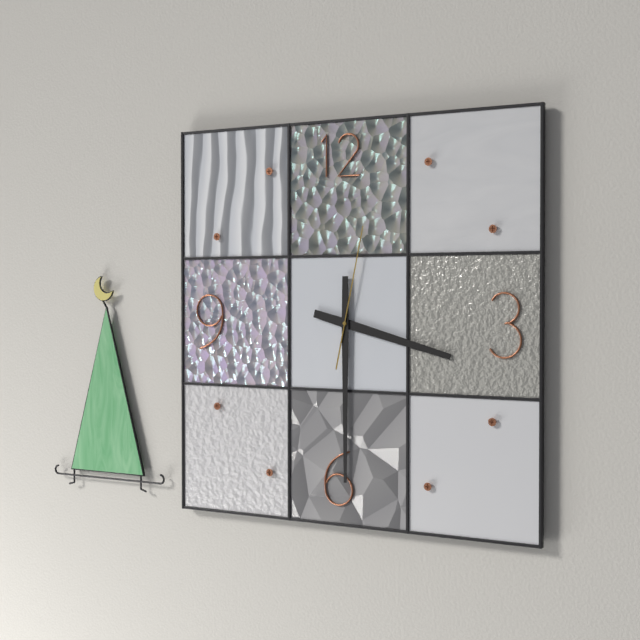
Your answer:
**3:30:02**
